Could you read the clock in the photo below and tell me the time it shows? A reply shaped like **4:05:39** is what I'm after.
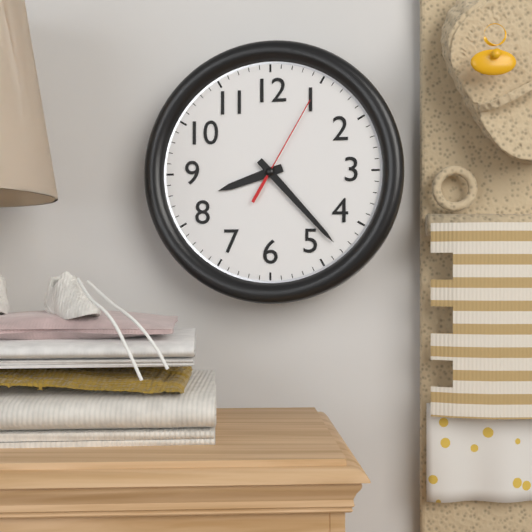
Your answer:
**8:23:05**
